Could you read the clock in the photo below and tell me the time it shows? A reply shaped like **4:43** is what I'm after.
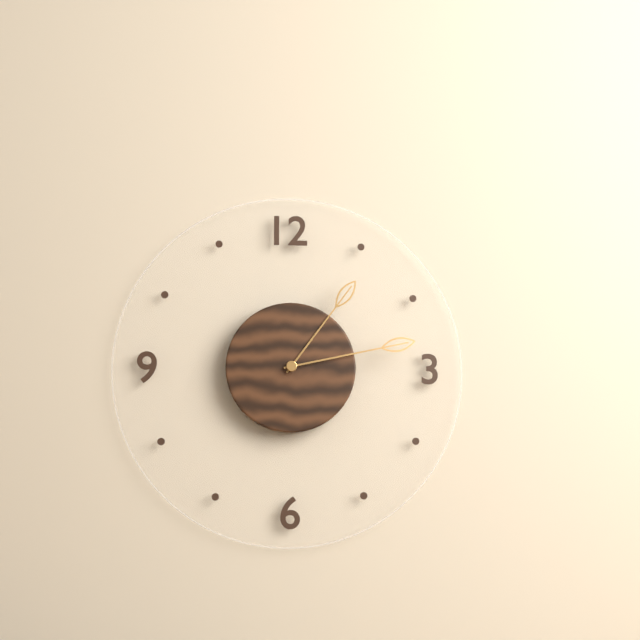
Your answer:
**1:13**
